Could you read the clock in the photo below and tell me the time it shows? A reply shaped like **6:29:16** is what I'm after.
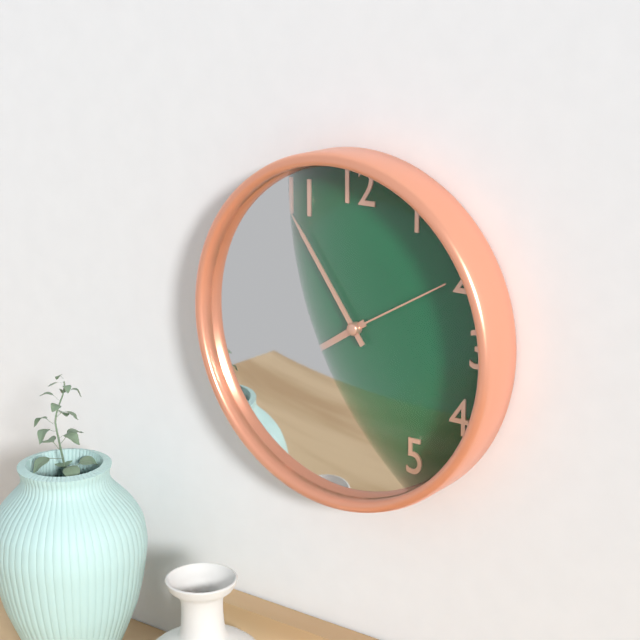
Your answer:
**7:54:10**
